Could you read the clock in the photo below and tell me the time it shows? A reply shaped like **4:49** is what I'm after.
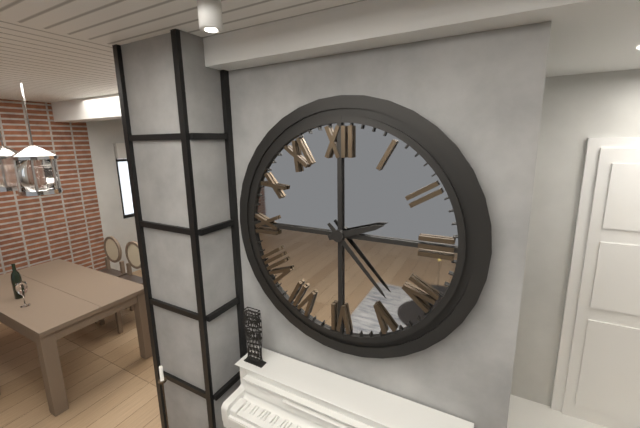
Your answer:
**2:23**
